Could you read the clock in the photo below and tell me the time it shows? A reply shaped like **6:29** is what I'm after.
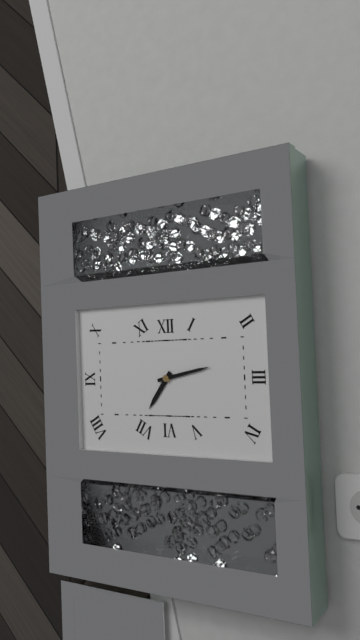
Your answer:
**7:13**
